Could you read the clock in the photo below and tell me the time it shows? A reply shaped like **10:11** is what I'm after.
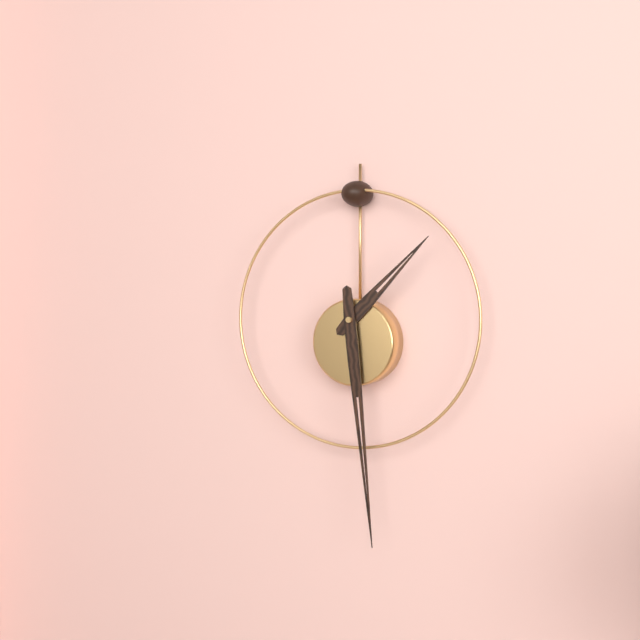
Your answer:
**1:29**
